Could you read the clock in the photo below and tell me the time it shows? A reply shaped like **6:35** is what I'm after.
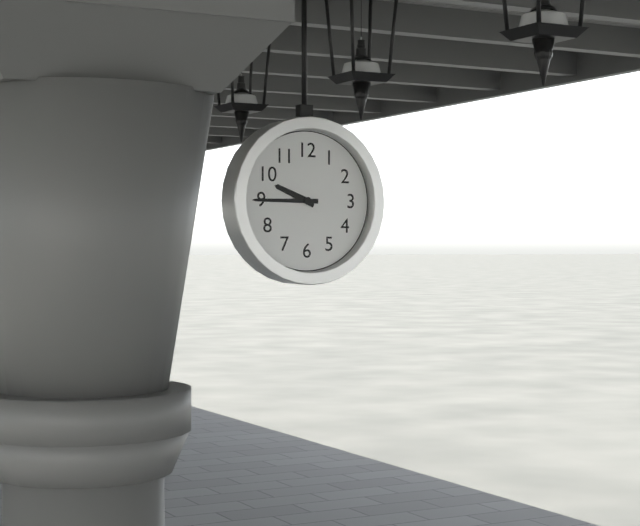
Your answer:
**9:45**
